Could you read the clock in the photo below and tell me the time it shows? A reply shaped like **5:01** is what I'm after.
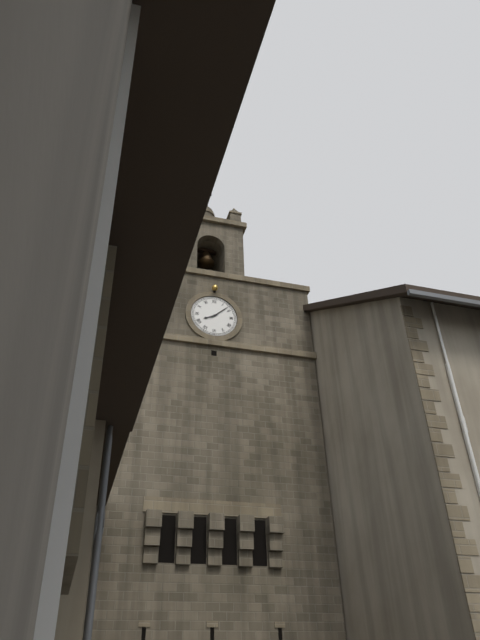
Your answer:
**8:08**
